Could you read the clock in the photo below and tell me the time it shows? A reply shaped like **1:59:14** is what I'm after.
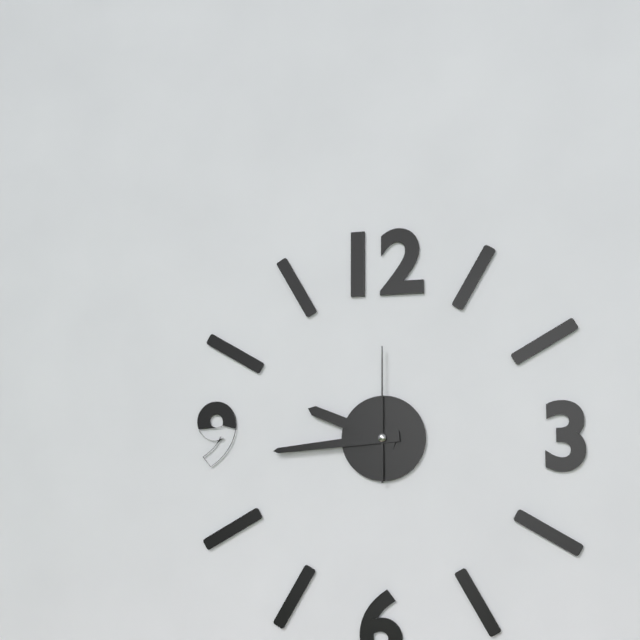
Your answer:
**9:44:00**
